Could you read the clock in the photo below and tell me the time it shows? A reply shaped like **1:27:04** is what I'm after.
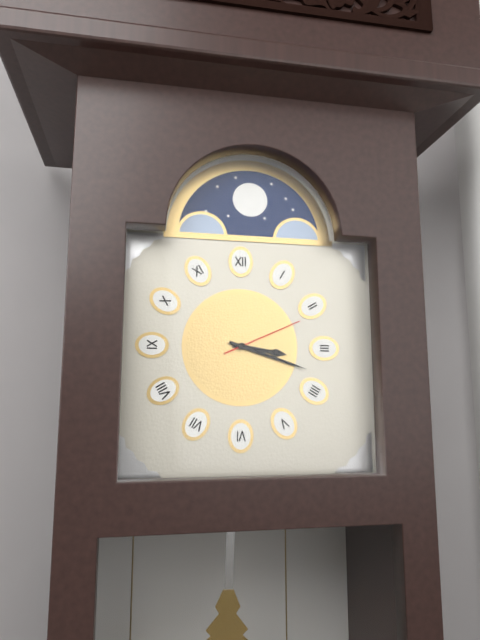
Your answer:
**3:18:11**
